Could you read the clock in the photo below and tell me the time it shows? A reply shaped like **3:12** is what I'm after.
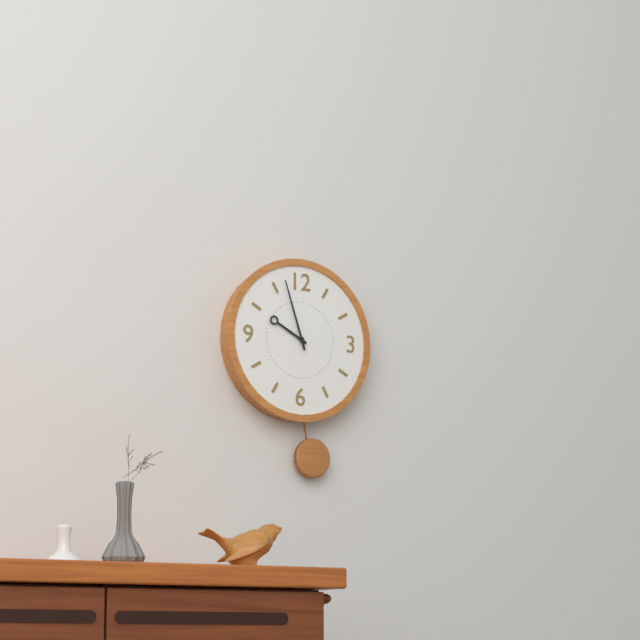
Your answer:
**9:57**
